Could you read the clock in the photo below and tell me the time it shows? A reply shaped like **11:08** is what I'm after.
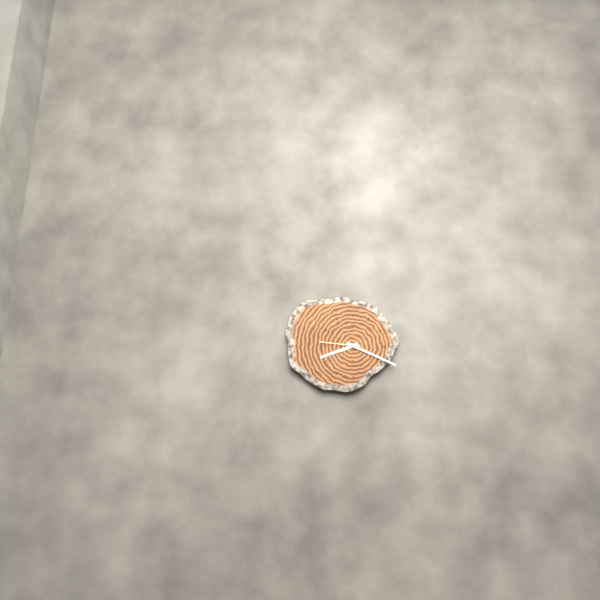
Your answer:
**8:19**
